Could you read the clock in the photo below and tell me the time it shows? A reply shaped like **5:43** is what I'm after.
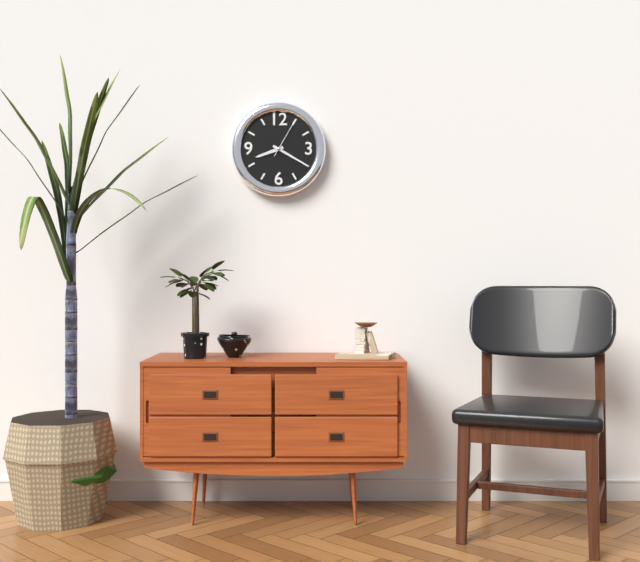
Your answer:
**8:20**
